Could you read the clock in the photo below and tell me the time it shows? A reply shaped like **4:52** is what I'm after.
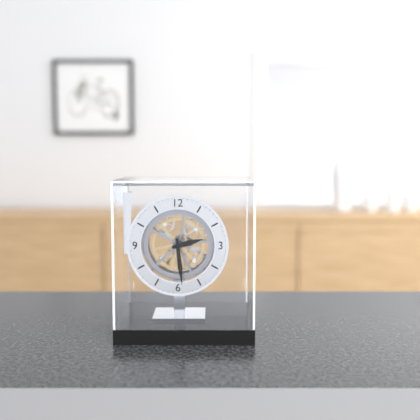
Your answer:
**2:29**
